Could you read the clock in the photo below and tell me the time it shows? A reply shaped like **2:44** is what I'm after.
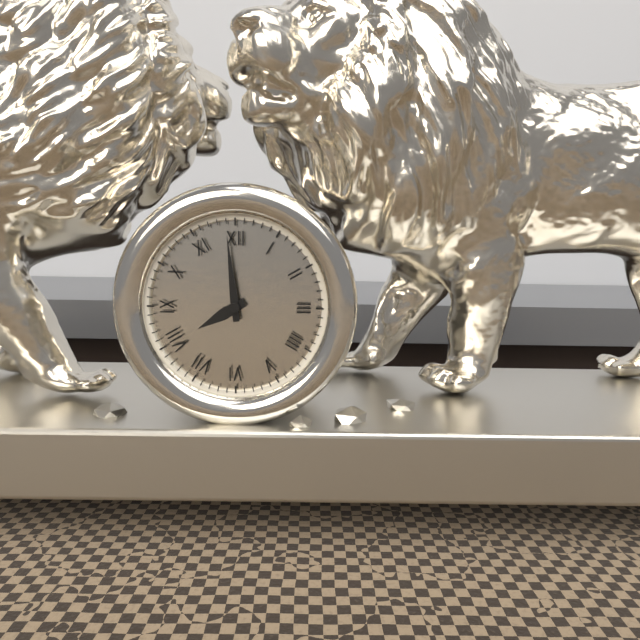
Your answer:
**7:59**
